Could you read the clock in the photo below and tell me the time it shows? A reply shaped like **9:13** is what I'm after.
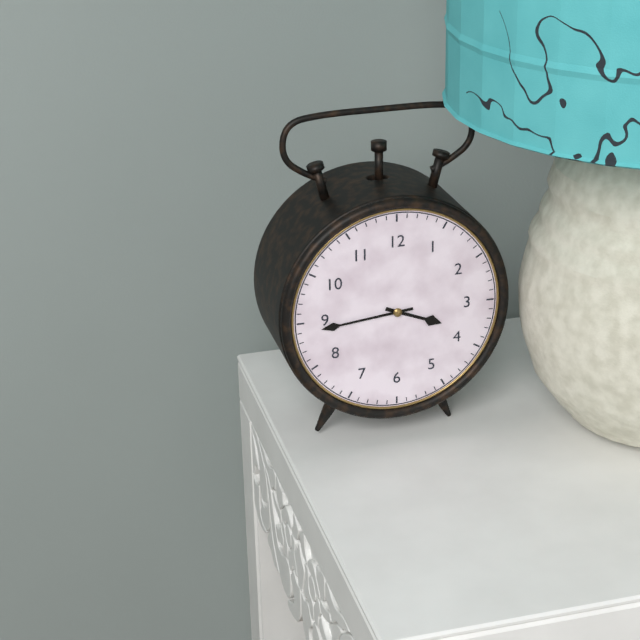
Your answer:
**3:44**
